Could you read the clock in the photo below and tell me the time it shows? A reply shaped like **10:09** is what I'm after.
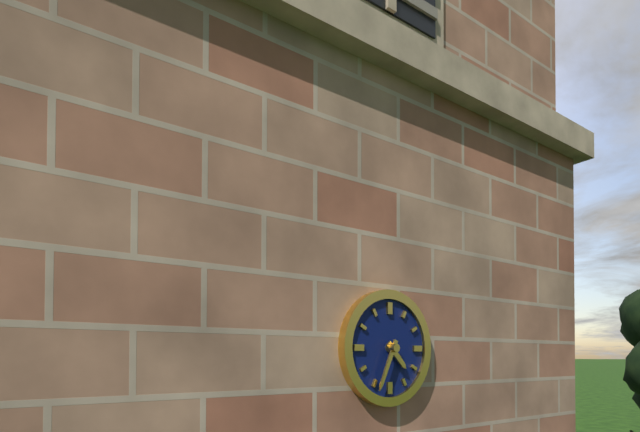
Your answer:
**4:34**
